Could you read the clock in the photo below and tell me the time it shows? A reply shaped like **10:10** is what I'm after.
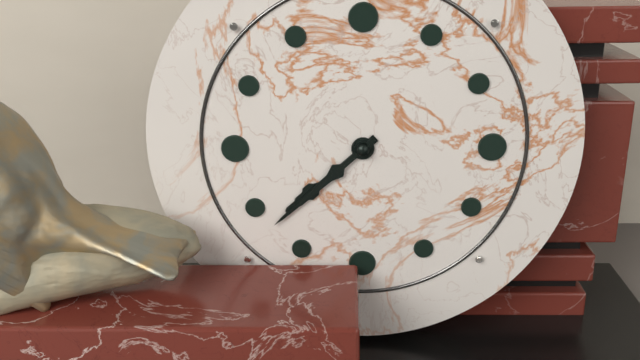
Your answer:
**7:38**
